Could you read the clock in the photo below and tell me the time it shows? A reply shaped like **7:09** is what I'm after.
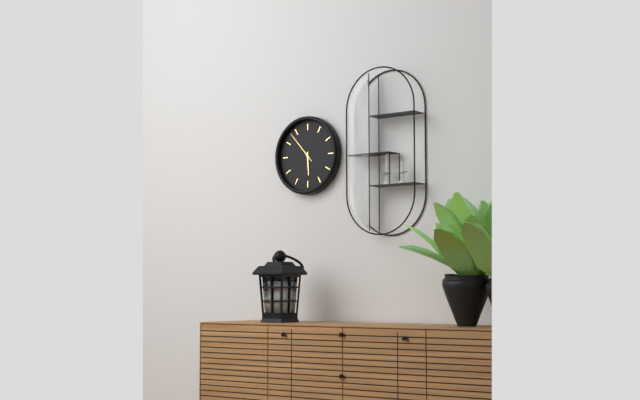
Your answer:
**5:53**
